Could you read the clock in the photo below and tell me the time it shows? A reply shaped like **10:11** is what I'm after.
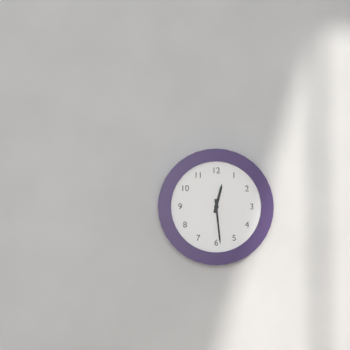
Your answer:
**12:29**
